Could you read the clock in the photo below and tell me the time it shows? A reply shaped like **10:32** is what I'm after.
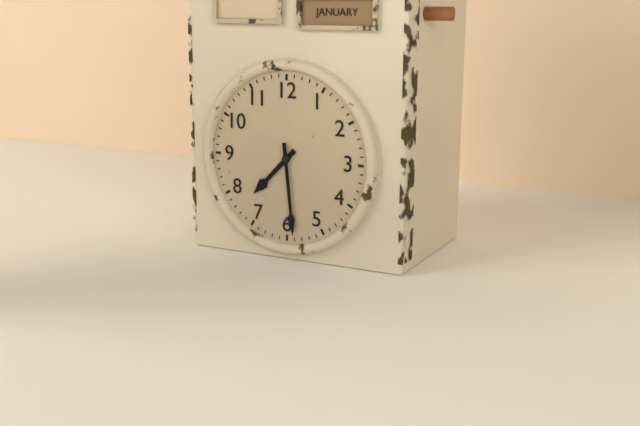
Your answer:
**7:29**
